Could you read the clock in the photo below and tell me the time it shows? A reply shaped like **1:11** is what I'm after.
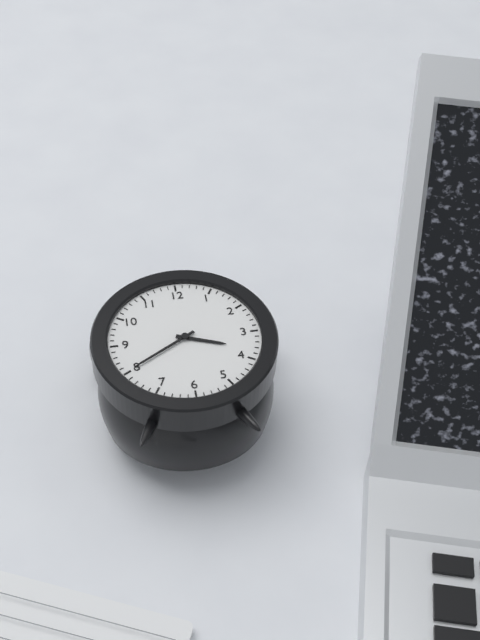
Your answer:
**3:40**
